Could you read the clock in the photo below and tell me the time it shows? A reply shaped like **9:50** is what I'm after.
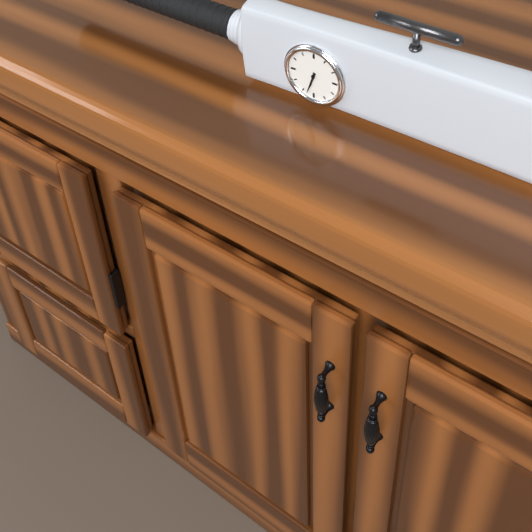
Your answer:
**6:33**
